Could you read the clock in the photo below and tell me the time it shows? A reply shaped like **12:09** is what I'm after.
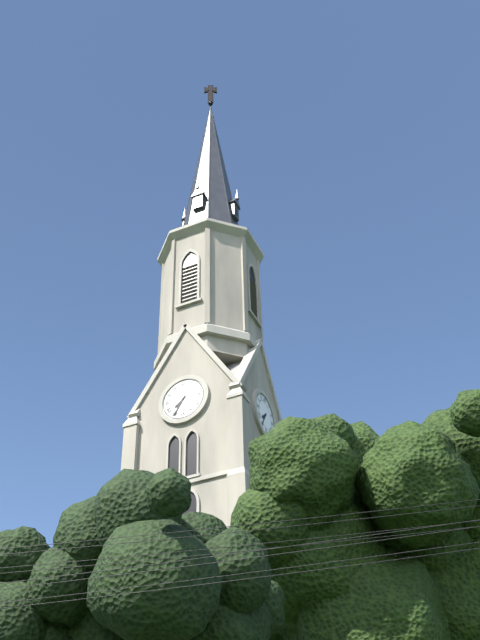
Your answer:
**7:35**
